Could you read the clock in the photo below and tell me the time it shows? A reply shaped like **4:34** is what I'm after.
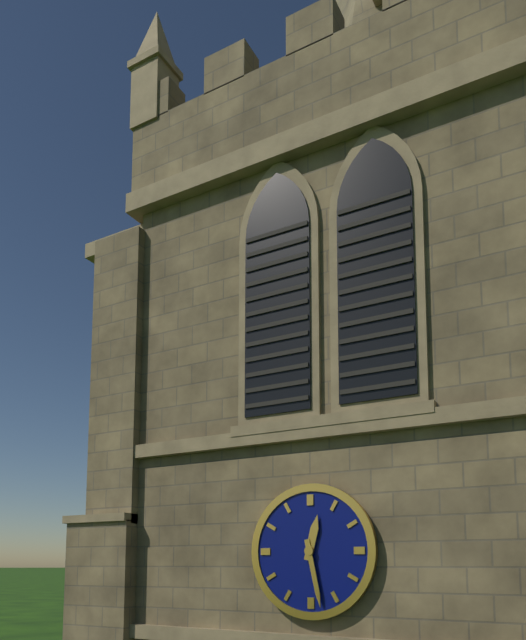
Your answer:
**12:28**
